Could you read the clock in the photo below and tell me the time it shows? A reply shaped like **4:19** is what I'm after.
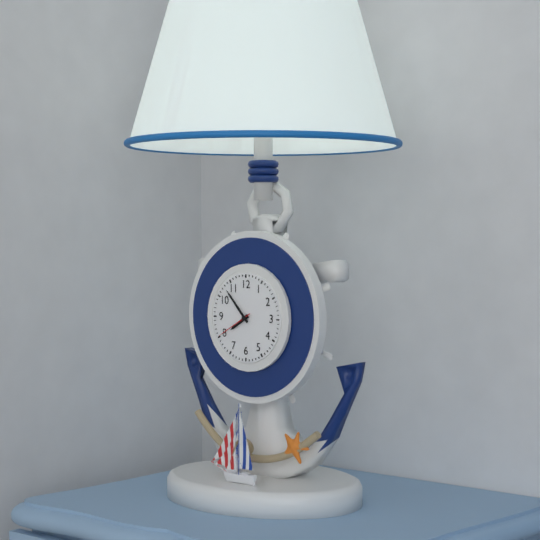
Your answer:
**7:53**
